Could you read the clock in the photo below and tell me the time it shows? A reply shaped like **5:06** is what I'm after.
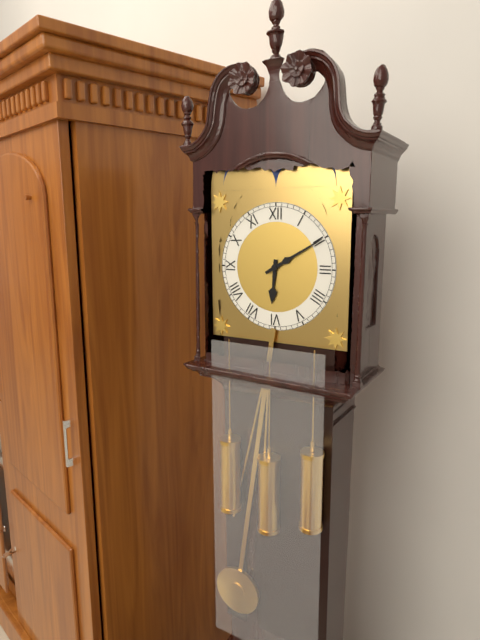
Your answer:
**6:10**
